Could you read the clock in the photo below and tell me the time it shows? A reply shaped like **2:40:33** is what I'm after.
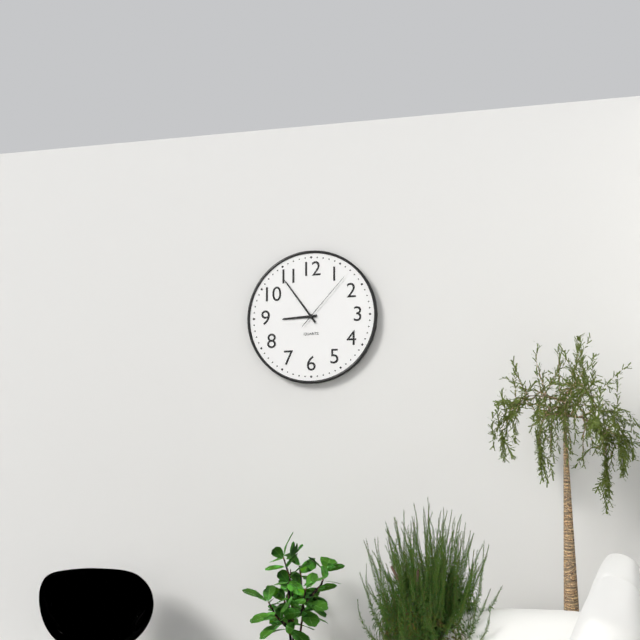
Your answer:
**8:54:07**
